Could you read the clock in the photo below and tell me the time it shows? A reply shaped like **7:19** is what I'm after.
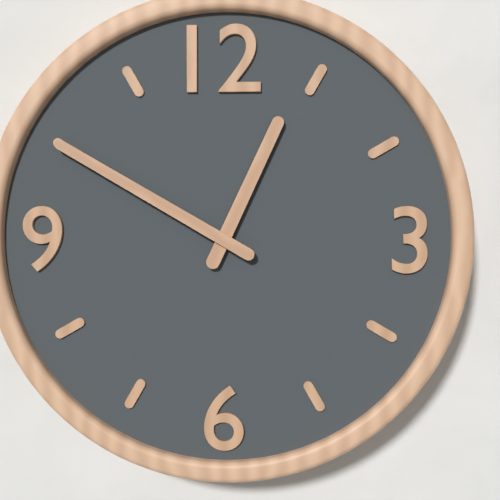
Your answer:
**12:50**
